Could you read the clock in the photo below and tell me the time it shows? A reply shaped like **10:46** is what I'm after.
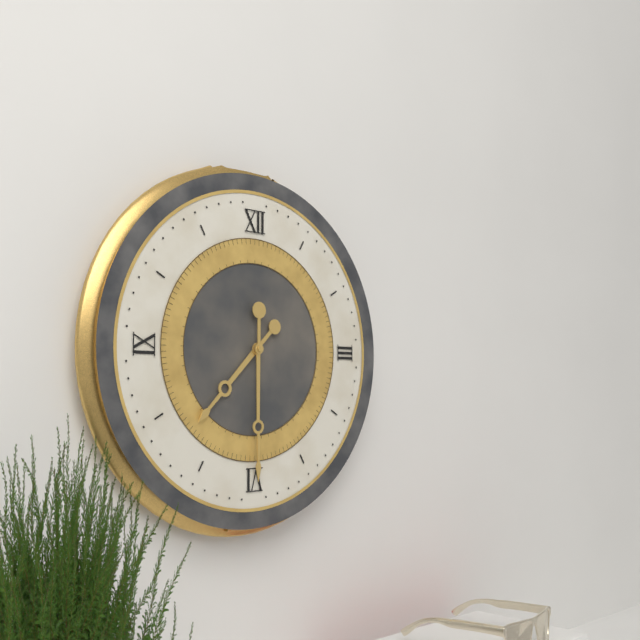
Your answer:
**7:30**
